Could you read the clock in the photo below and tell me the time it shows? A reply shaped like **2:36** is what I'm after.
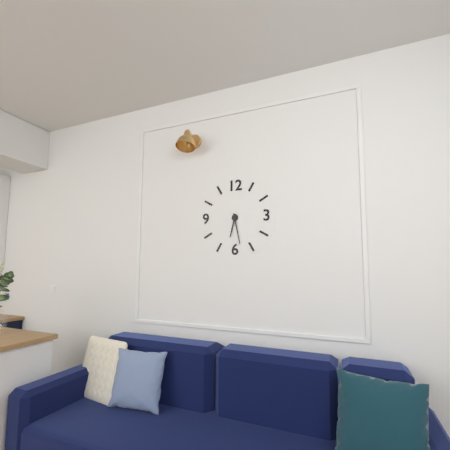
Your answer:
**6:28**
